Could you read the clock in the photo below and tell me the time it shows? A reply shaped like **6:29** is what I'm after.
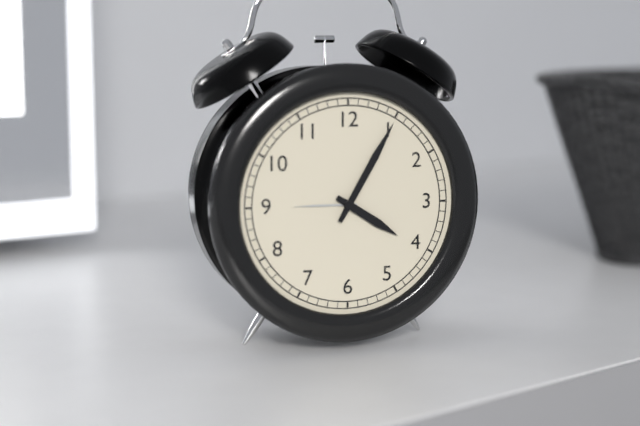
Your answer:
**4:05**
